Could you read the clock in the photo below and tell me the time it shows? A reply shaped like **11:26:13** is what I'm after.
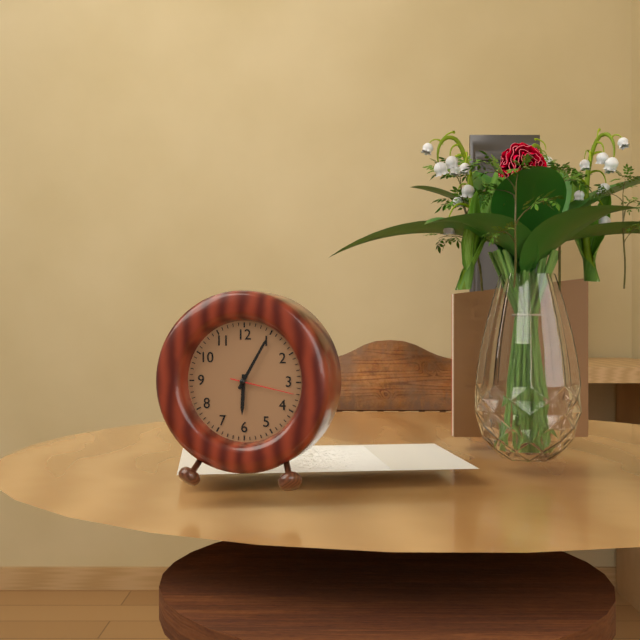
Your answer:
**6:05:17**
